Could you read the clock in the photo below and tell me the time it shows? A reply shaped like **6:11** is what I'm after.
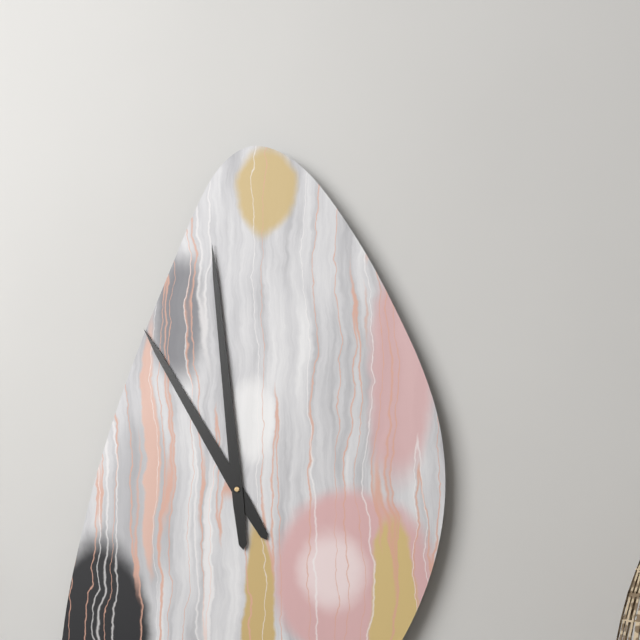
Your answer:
**10:59**
